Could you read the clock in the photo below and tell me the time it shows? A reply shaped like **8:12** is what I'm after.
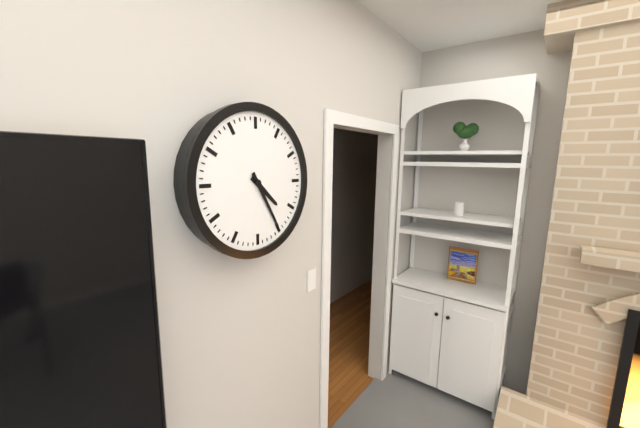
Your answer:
**4:25**
